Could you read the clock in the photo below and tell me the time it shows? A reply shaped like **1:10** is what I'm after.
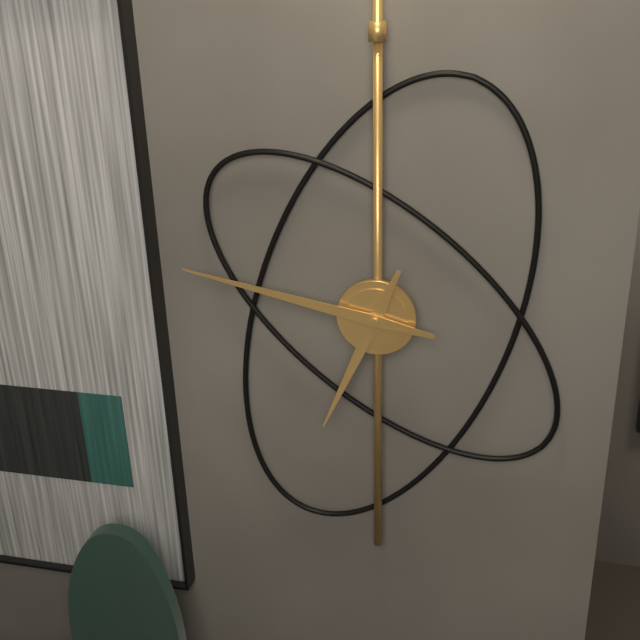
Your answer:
**6:47**
